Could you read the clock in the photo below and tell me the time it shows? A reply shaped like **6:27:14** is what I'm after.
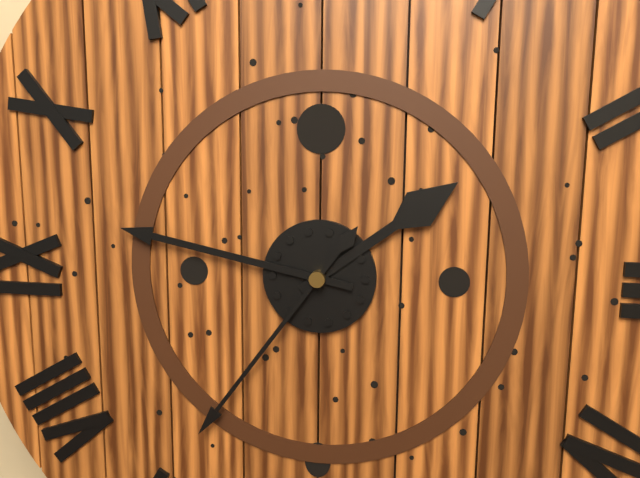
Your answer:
**1:47:36**
